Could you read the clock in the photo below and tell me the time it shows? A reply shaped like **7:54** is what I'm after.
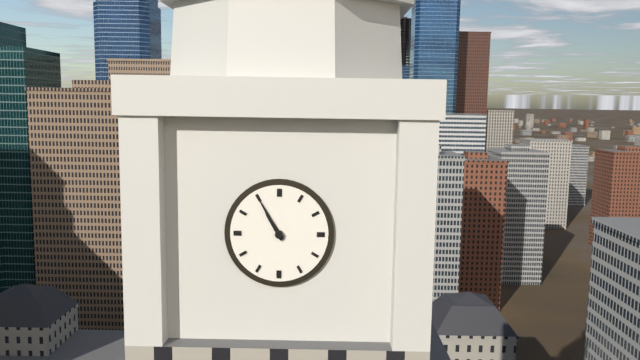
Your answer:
**10:55**
